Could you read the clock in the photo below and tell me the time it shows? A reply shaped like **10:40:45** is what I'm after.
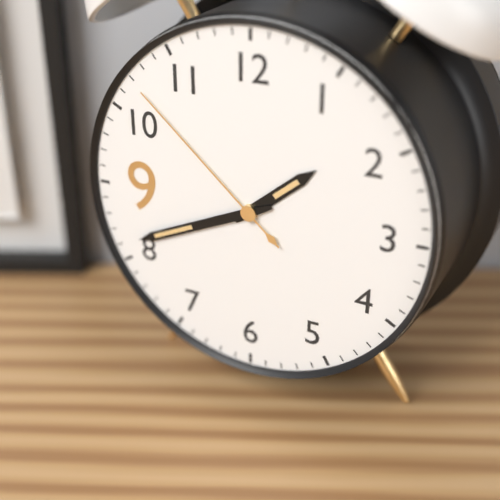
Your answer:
**1:41:52**
